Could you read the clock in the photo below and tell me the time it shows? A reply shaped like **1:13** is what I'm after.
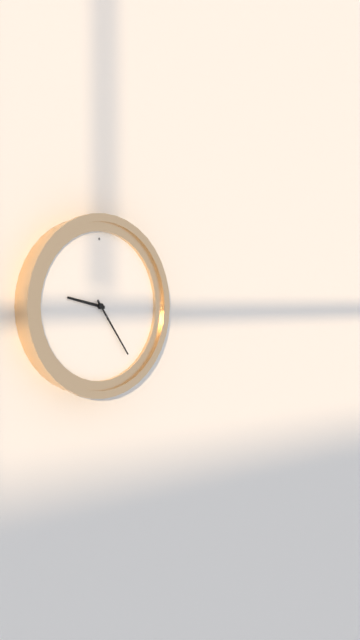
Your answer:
**9:24**
